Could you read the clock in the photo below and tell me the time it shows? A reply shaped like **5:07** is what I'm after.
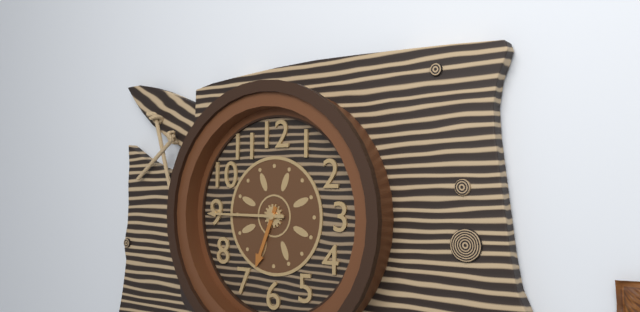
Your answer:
**6:45**
